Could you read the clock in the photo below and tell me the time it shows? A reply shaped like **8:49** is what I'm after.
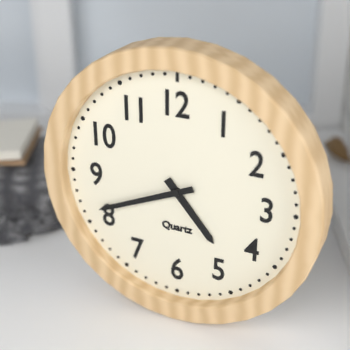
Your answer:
**4:41**
